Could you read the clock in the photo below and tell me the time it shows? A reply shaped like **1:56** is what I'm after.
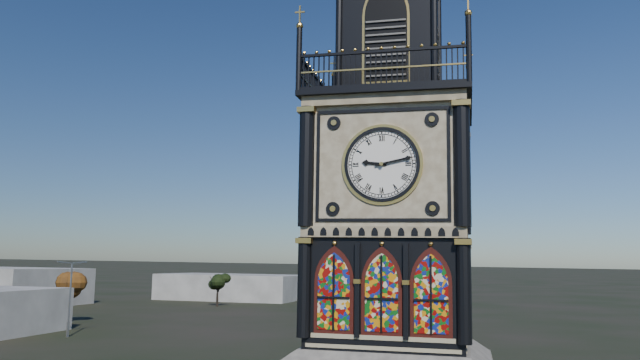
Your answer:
**9:13**
